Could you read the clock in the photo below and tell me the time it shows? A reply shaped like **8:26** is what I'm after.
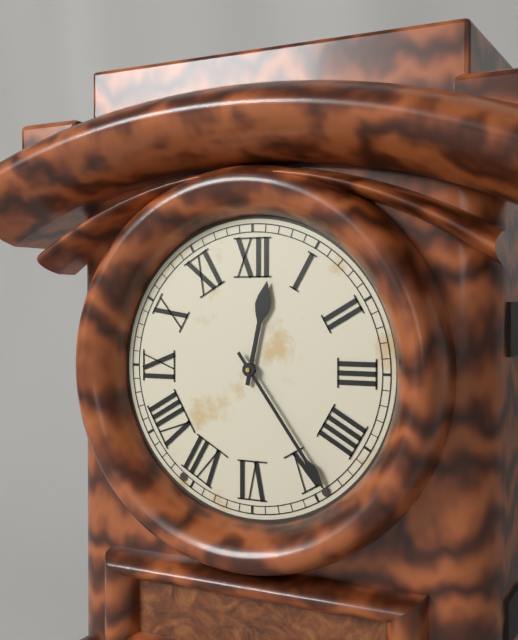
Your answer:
**12:24**
